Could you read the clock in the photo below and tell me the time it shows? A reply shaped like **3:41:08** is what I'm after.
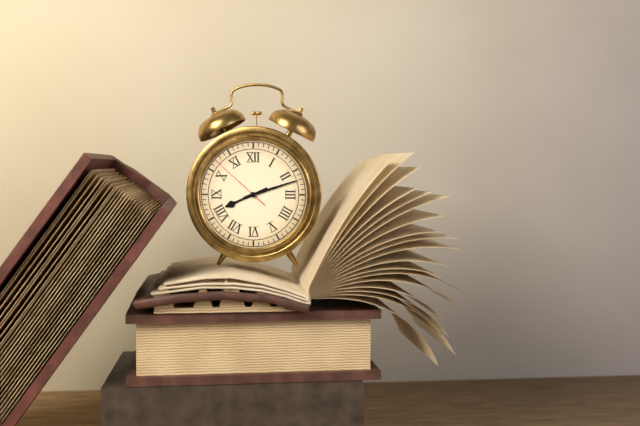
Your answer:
**8:12:52**
